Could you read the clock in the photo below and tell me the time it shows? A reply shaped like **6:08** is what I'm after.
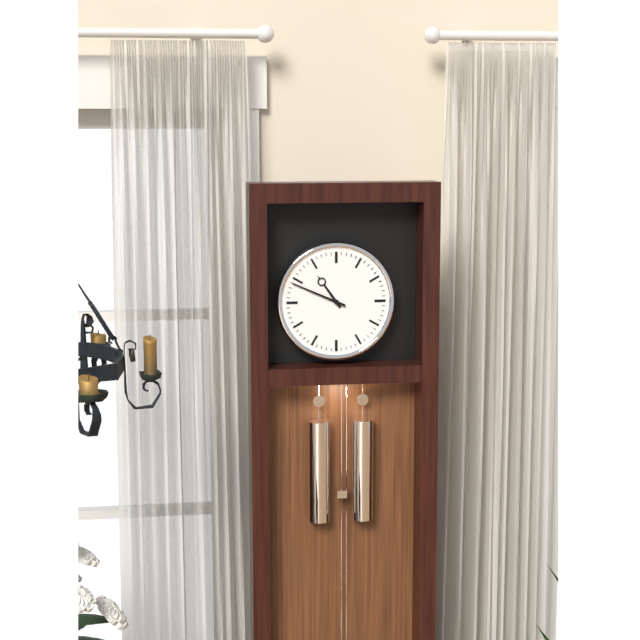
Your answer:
**10:49**
